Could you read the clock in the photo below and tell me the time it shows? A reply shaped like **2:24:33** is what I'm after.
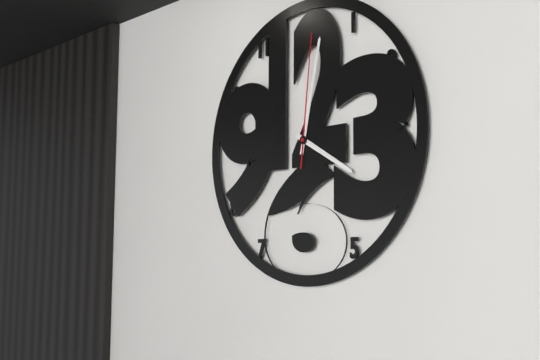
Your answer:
**4:02:01**
